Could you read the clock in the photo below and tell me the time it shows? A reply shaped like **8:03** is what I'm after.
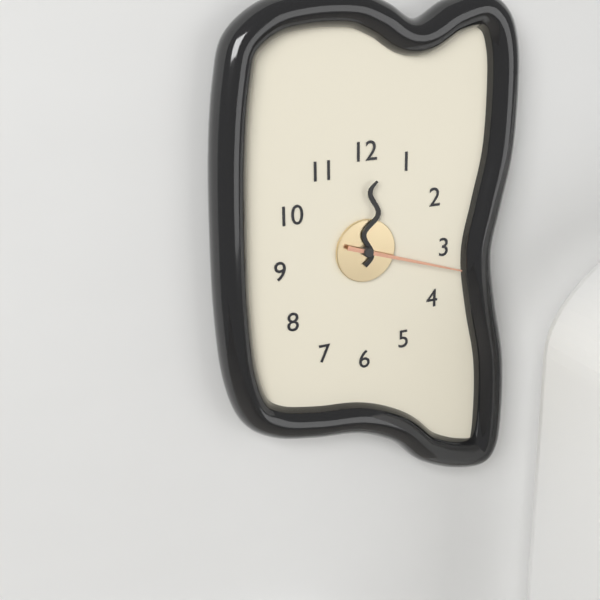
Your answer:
**12:18**
